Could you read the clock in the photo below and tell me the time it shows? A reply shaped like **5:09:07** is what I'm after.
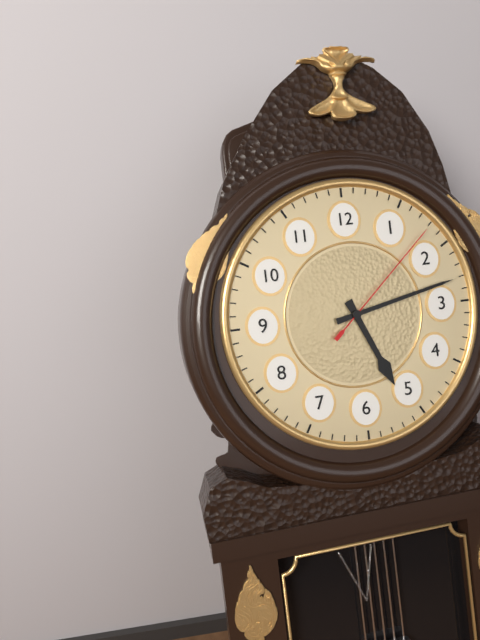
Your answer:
**5:13:08**
